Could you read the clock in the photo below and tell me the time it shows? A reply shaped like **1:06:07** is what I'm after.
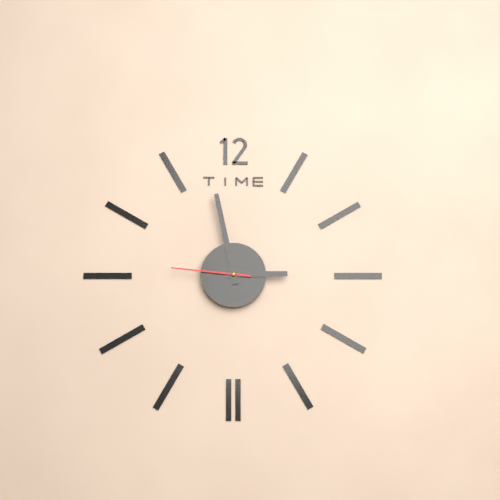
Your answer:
**2:58:46**
